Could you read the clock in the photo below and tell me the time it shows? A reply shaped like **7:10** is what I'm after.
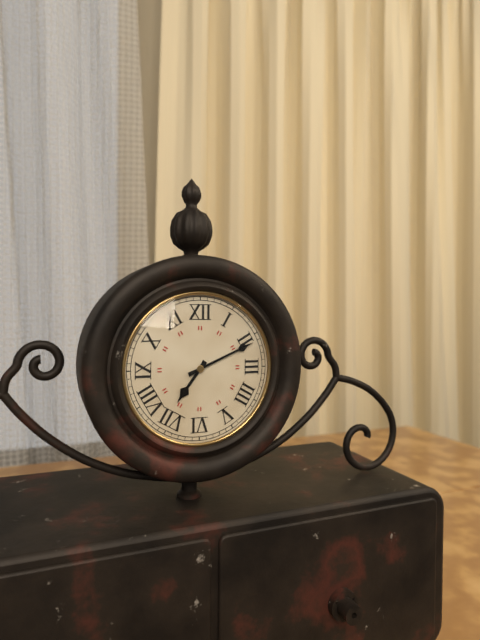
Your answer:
**7:11**
